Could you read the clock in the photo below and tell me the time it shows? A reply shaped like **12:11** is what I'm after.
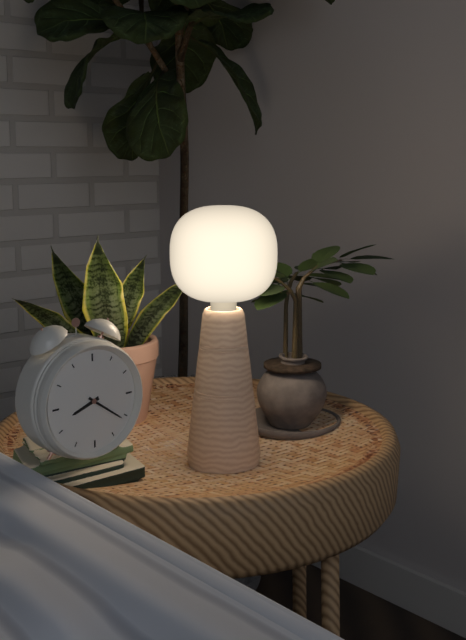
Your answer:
**8:21**
